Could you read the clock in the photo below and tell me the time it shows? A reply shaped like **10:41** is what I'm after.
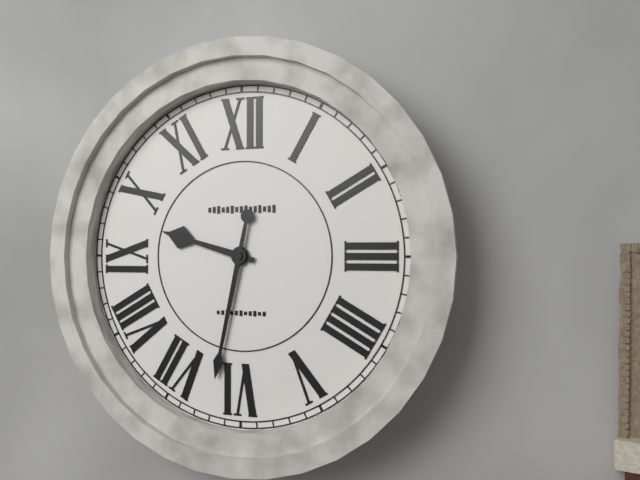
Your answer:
**9:32**
